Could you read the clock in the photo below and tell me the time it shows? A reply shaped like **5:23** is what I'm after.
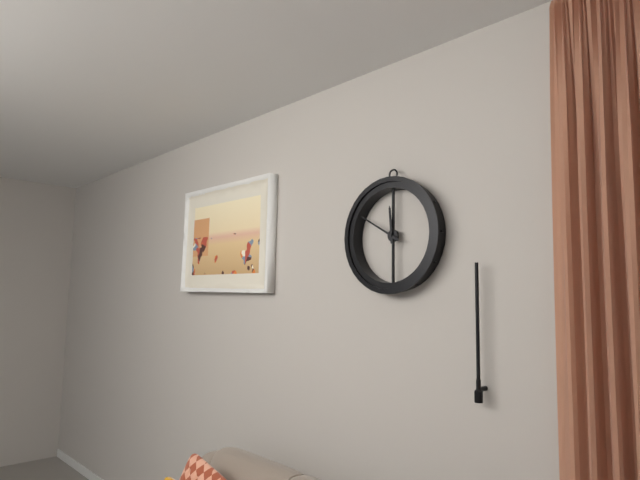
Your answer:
**11:50**
